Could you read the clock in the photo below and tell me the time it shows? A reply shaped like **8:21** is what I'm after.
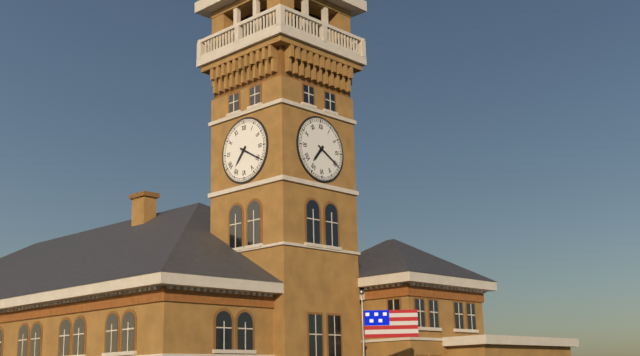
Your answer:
**7:20**
